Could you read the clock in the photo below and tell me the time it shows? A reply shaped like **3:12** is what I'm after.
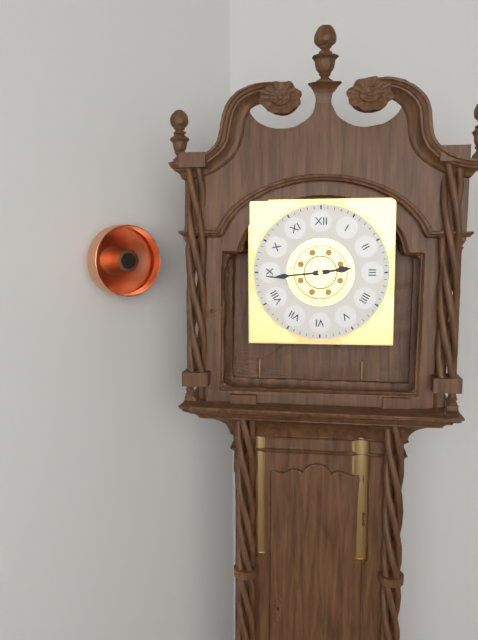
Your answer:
**2:44**
